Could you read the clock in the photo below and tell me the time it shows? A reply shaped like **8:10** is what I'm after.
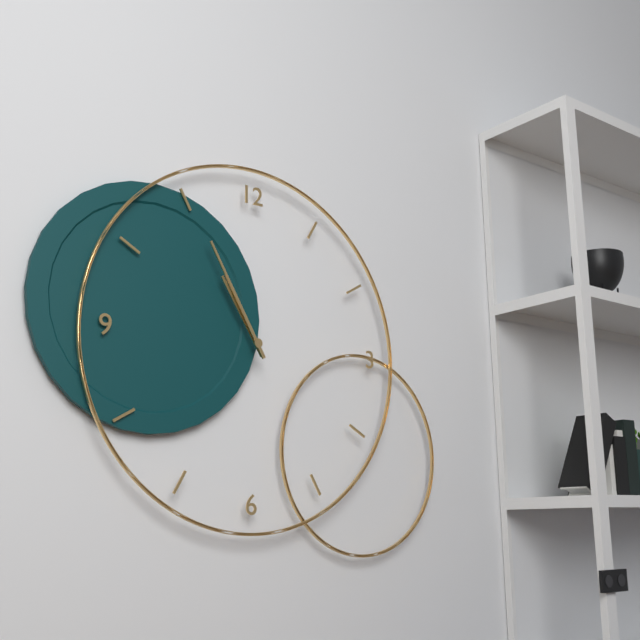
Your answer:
**10:55**
